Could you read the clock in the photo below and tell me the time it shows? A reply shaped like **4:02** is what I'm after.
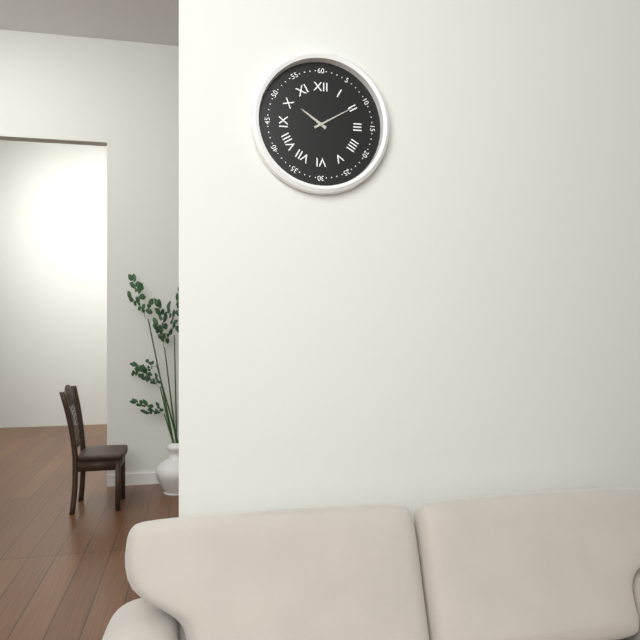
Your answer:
**10:10**
